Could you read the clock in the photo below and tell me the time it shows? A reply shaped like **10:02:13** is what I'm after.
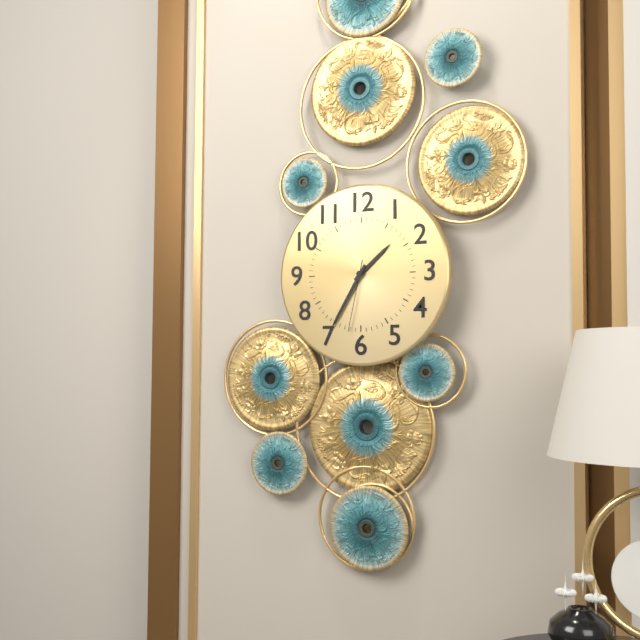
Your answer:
**1:35:32**
